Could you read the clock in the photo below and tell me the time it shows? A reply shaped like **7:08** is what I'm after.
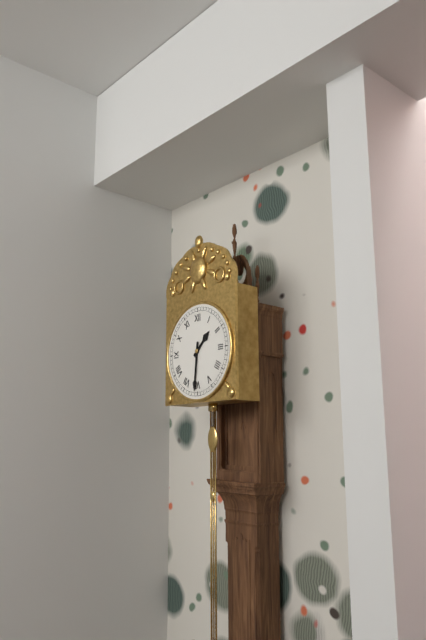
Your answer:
**1:31**
